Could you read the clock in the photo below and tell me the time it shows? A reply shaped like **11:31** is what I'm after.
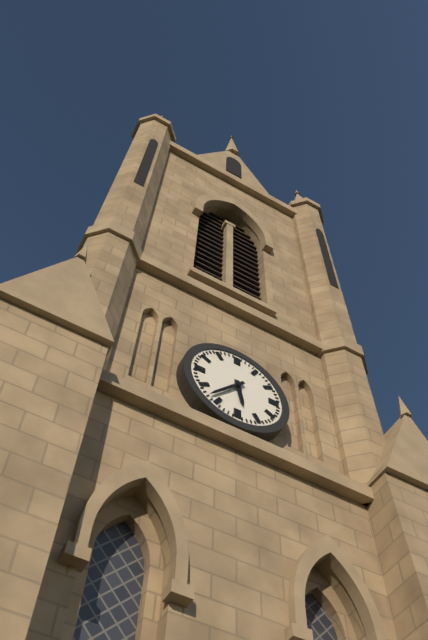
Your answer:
**5:37**
